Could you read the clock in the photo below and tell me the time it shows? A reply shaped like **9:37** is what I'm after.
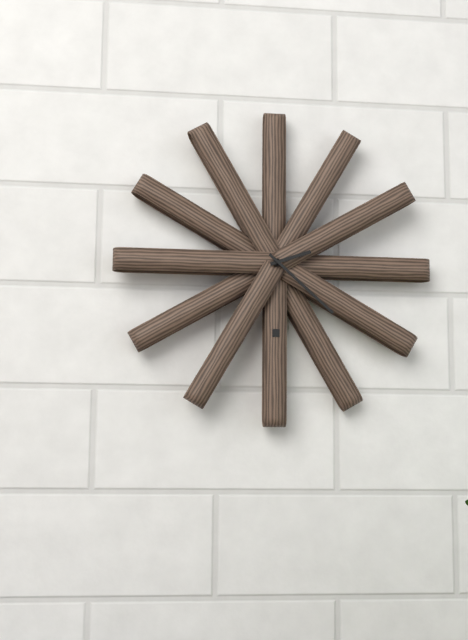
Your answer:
**2:22**
